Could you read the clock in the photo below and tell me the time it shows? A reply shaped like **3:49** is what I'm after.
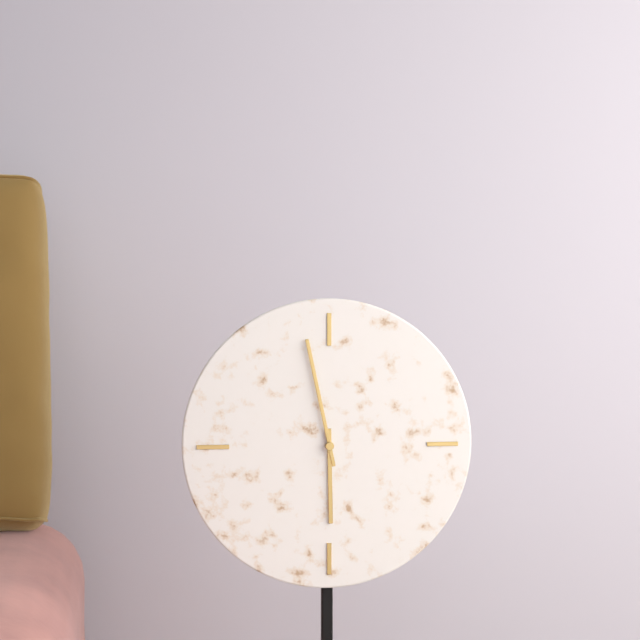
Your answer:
**5:58**
